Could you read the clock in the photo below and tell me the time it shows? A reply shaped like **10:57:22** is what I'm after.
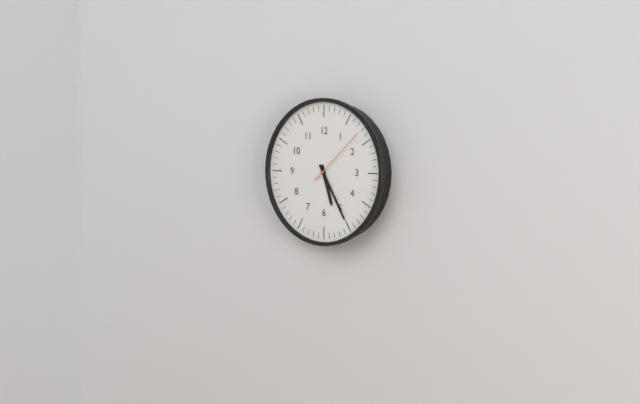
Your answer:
**5:25:08**
